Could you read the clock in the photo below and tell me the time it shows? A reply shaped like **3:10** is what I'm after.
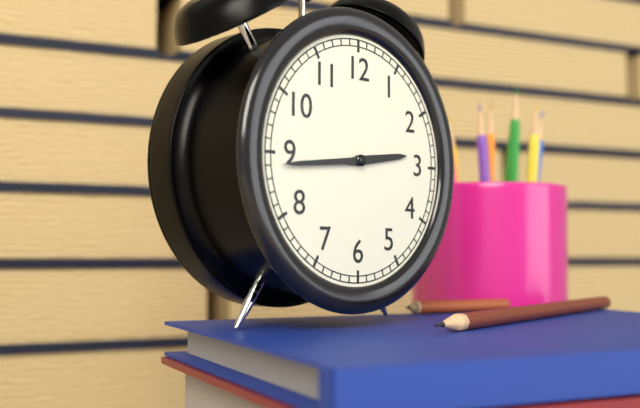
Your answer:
**2:44**
